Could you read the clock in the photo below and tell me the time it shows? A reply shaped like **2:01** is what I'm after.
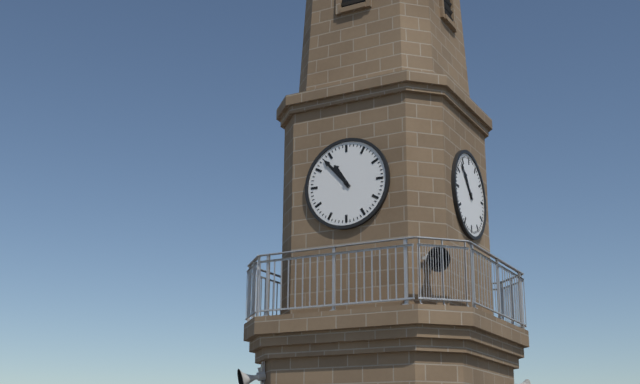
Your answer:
**10:53**
